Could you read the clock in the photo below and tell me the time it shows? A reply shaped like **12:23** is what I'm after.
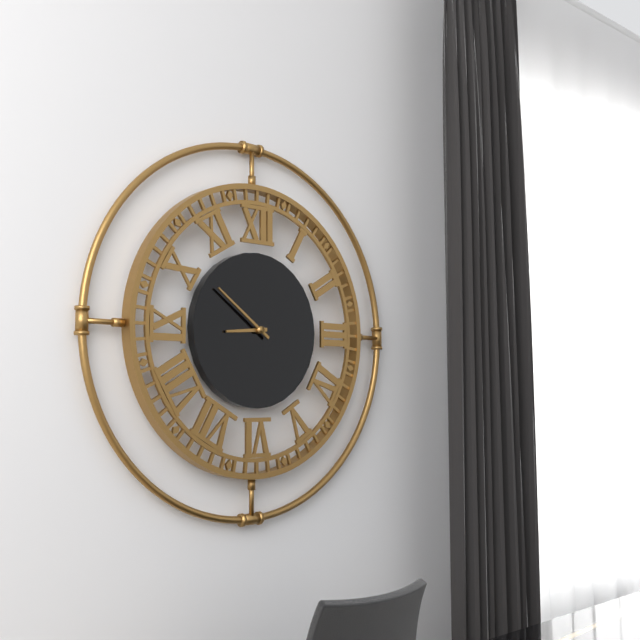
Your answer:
**8:51**
